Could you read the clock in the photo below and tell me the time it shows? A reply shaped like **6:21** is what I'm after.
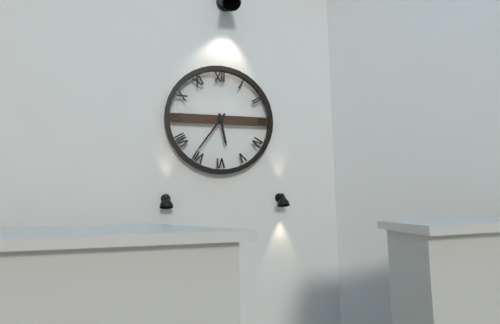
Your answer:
**5:36**
